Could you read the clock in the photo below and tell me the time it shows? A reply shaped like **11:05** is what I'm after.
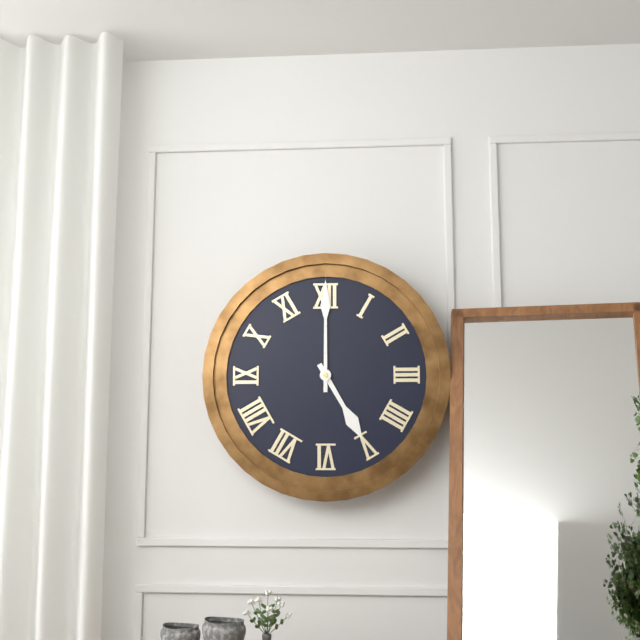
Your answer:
**5:00**
